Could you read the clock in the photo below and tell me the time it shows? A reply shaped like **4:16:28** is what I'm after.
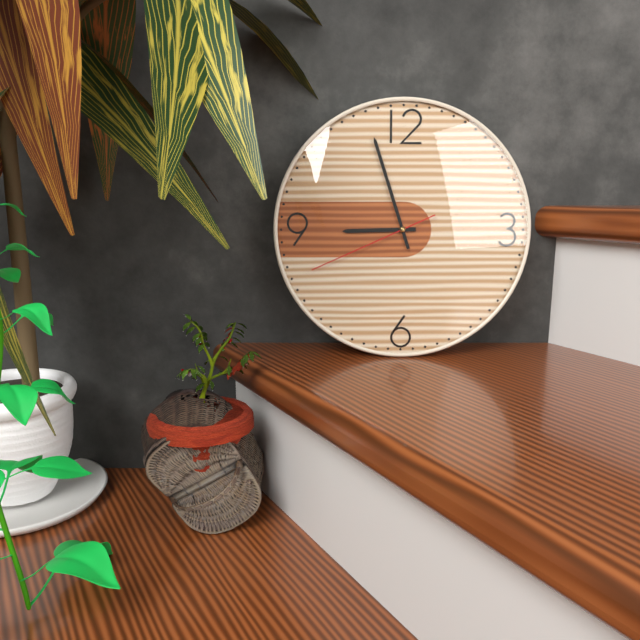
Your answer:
**8:57:41**
